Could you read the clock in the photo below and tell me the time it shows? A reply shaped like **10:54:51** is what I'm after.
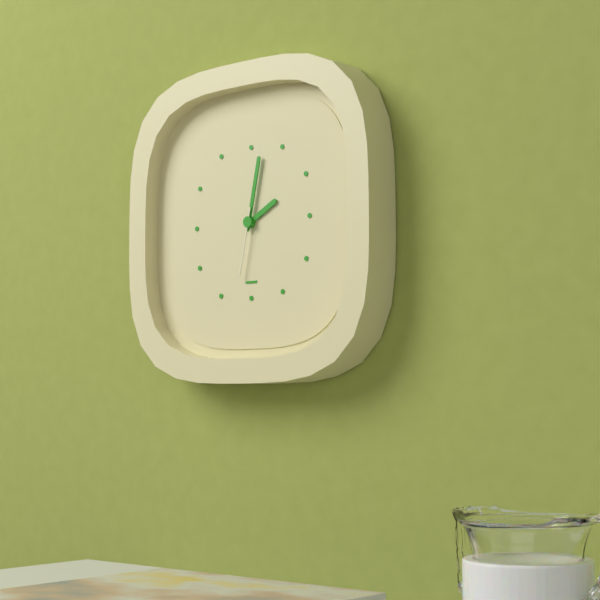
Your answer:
**2:02:32**
